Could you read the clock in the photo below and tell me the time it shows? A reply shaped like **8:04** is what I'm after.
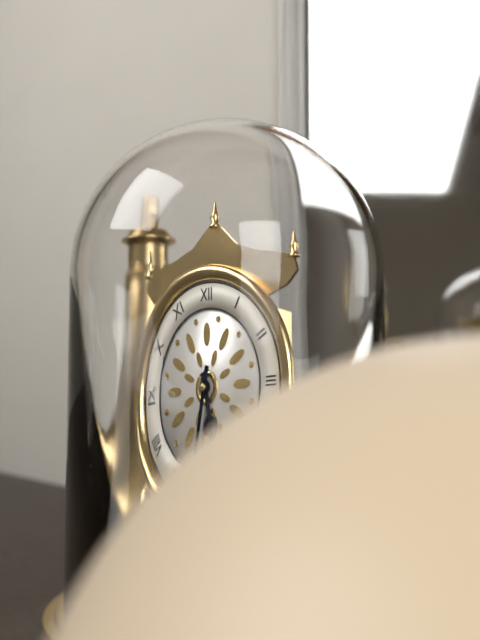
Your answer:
**5:32**
